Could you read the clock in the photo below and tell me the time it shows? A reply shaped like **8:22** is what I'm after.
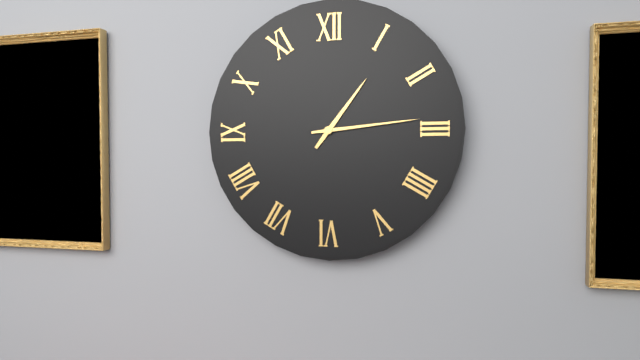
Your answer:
**1:14**
